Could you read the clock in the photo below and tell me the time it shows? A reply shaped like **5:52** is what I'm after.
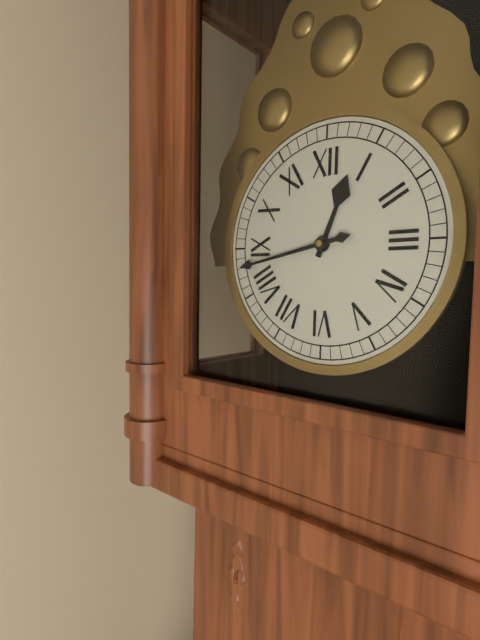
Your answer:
**12:43**
